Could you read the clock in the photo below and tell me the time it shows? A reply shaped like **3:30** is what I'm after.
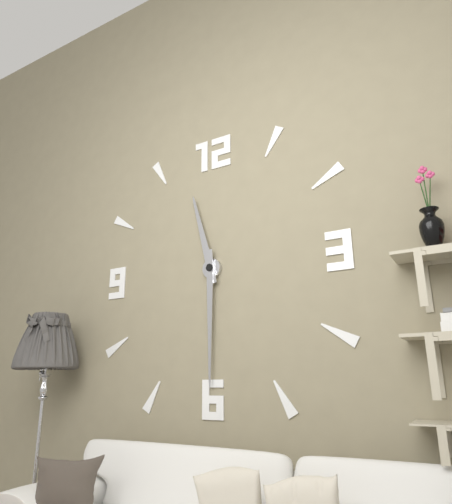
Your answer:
**11:30**
